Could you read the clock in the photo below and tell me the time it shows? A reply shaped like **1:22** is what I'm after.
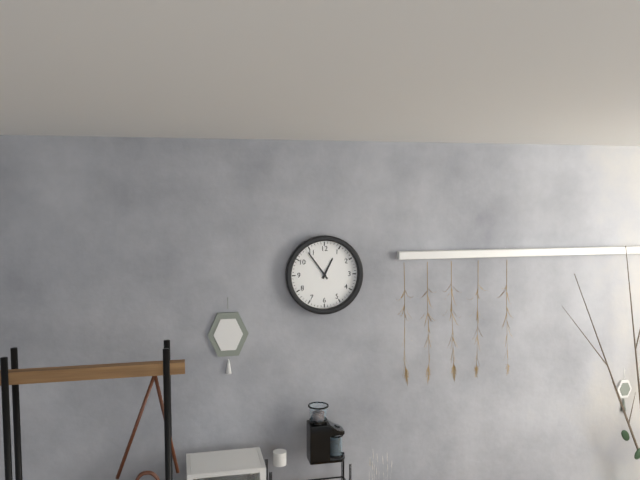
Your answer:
**12:54**
